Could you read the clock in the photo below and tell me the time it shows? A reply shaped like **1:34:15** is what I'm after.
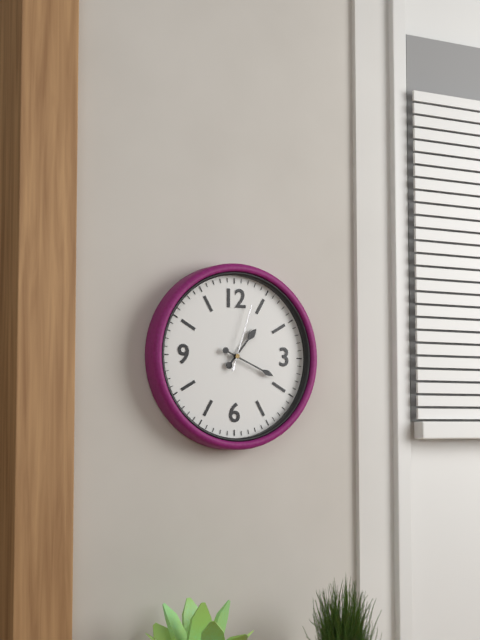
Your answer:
**1:19:03**
